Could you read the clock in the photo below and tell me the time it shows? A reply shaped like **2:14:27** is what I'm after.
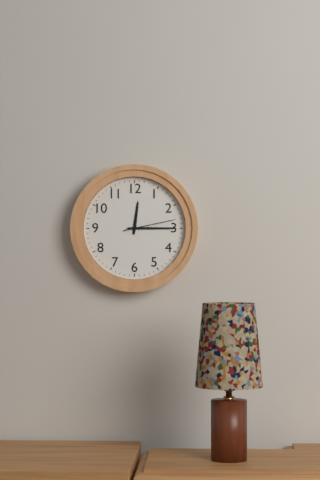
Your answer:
**12:15:13**
